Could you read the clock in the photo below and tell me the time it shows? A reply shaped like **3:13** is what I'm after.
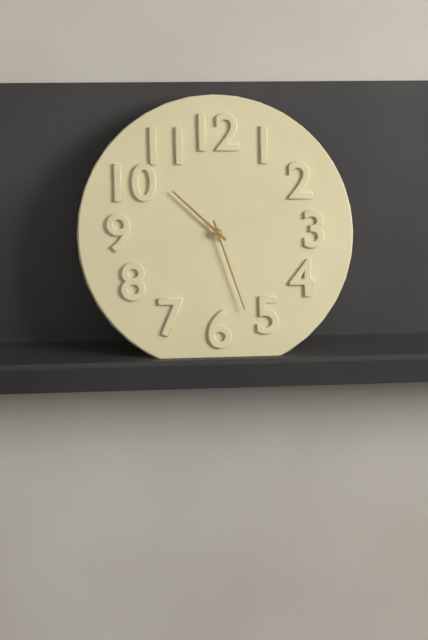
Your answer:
**10:27**
